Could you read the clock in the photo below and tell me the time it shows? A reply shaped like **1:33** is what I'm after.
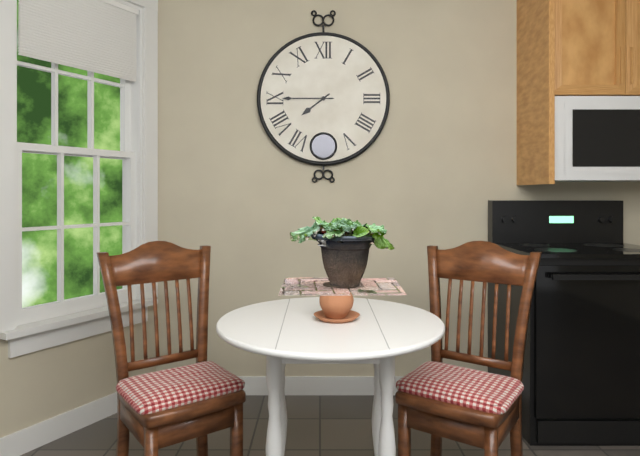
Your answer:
**7:45**
